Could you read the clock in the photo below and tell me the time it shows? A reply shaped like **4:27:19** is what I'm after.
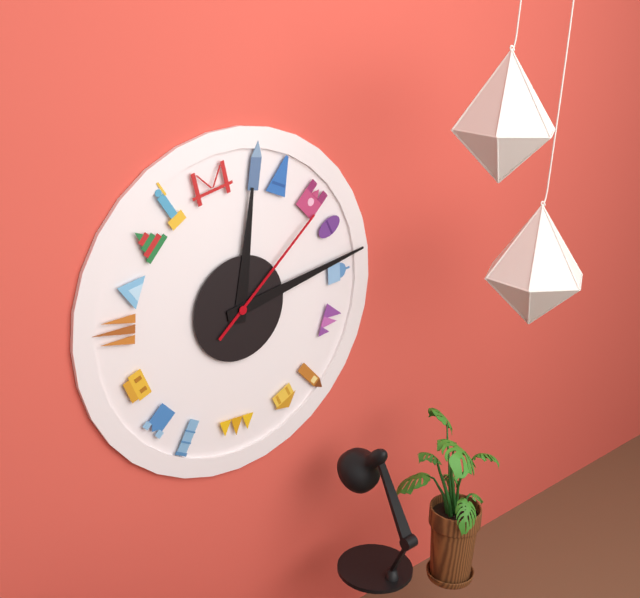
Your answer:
**12:13:08**
